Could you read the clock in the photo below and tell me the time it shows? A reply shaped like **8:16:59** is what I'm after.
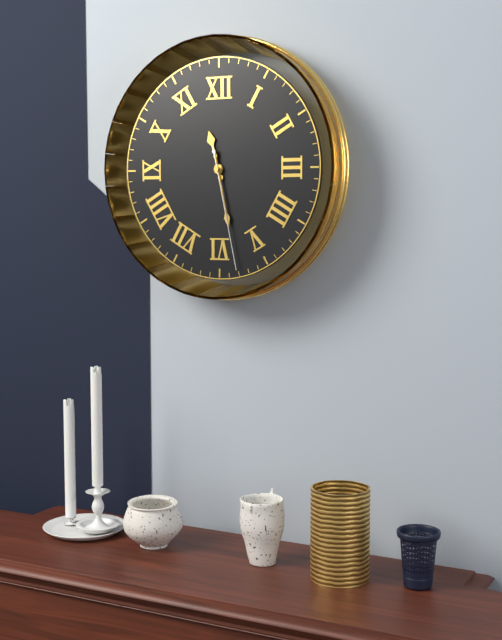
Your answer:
**11:28:28**
